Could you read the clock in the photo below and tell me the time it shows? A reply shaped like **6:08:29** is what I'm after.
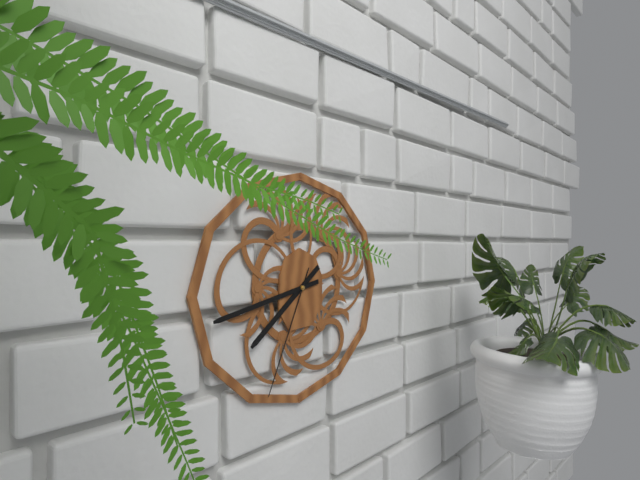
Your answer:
**7:43:34**
